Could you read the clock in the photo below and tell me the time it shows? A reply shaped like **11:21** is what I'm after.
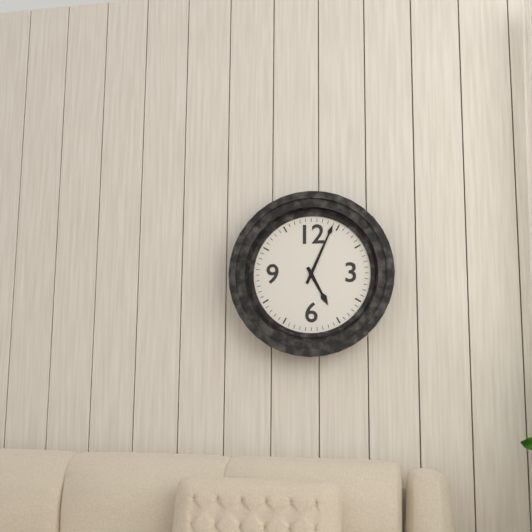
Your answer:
**5:04**
